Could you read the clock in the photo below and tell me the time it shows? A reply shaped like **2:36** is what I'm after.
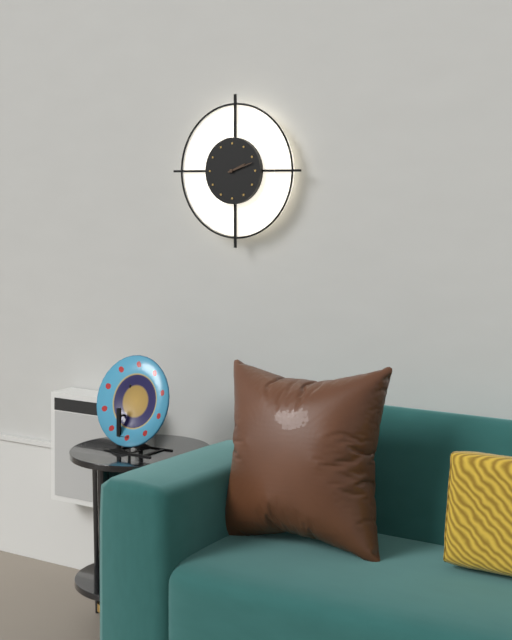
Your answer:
**2:12**
